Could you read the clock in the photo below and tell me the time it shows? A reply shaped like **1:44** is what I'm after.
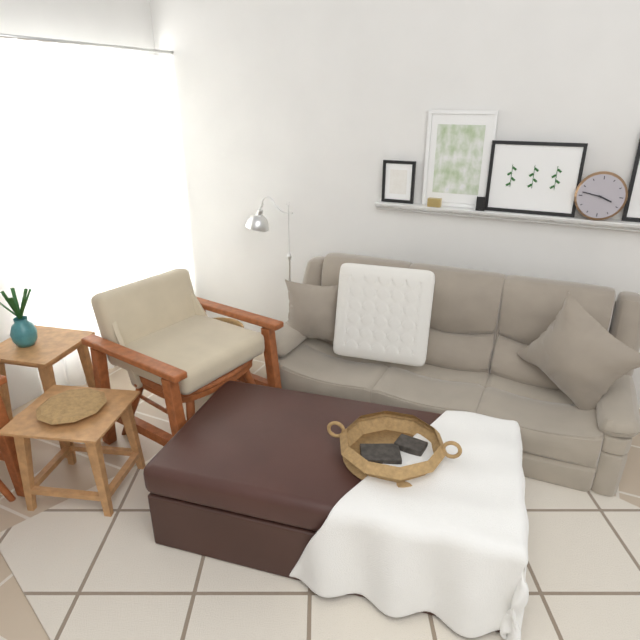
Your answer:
**3:47**
